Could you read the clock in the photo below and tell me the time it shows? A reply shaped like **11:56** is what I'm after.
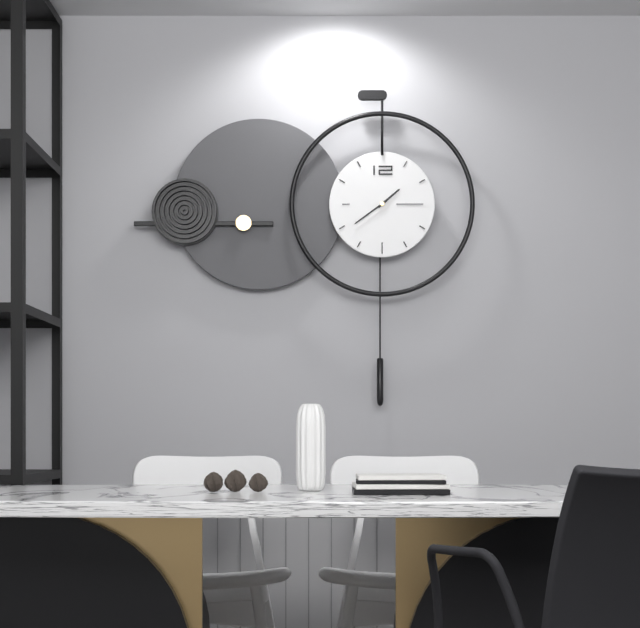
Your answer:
**1:39**
